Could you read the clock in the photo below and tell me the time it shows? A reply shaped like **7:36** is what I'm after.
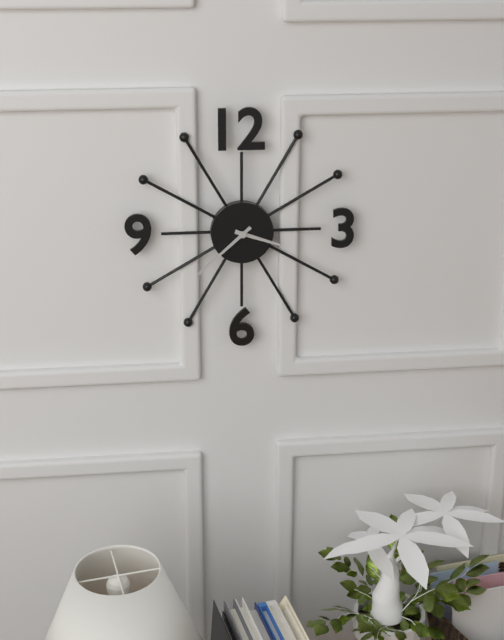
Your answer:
**3:38**
